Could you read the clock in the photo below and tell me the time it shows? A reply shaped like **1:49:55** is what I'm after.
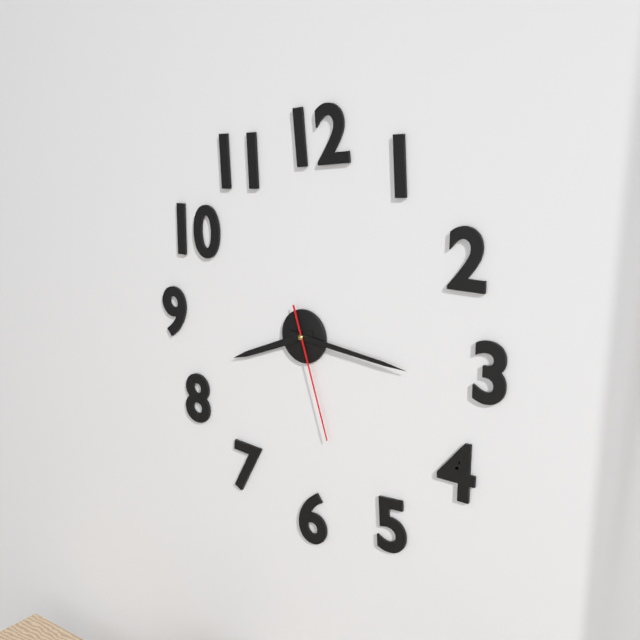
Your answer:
**8:16:27**
